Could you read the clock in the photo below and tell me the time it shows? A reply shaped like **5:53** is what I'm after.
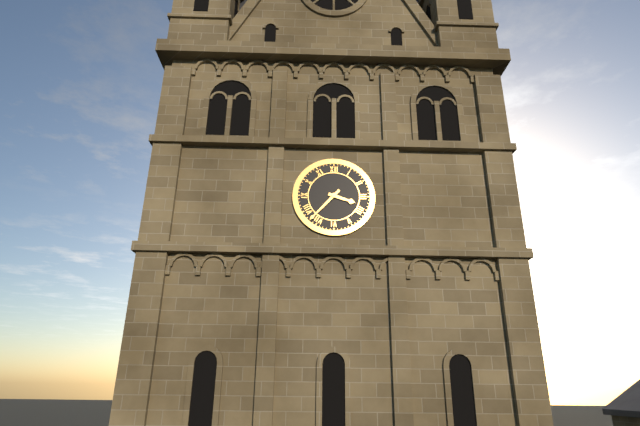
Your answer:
**3:37**
